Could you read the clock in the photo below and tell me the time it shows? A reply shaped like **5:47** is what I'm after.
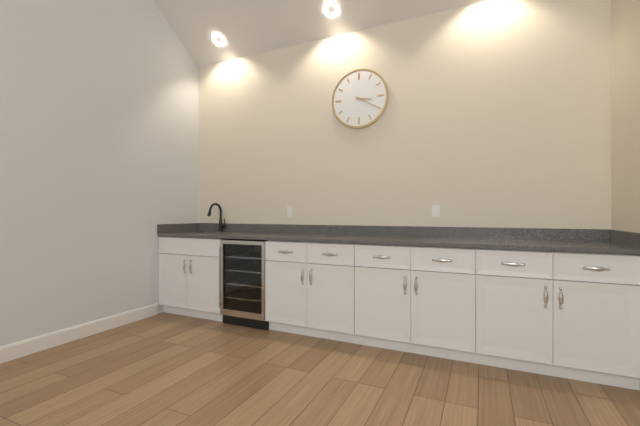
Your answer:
**3:20**
